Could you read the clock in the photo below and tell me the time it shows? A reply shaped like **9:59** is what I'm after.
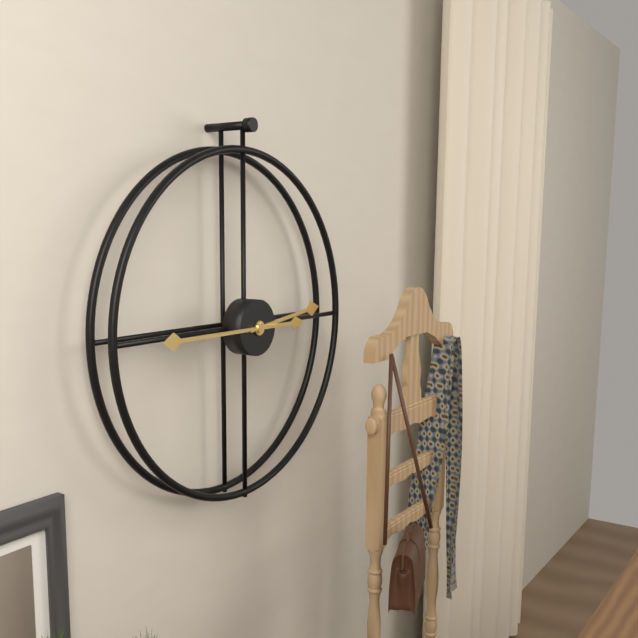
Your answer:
**2:45**
